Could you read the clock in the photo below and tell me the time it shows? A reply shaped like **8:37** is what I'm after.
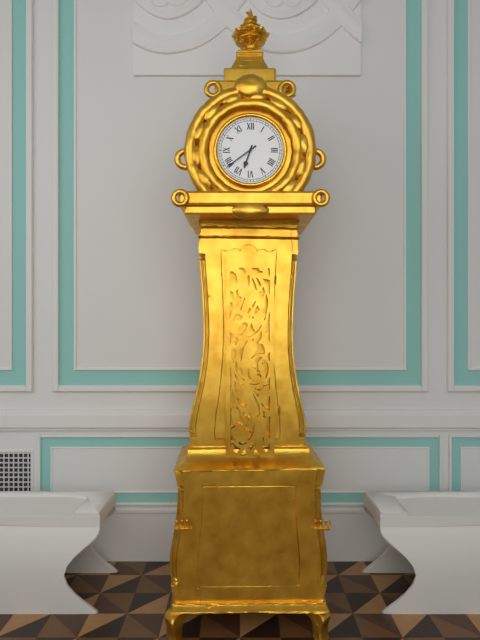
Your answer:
**6:39**
